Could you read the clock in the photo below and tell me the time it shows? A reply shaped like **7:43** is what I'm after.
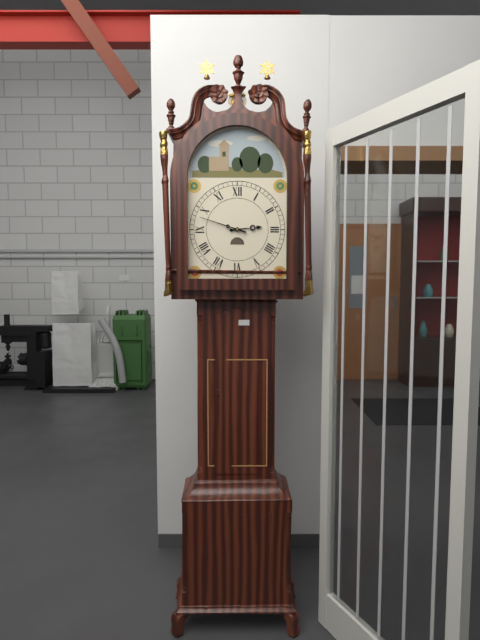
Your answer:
**2:48**
